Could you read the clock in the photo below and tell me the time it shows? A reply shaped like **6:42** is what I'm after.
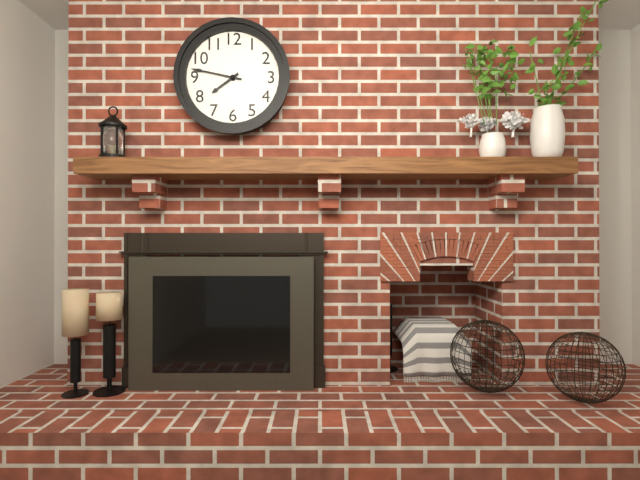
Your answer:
**7:47**
